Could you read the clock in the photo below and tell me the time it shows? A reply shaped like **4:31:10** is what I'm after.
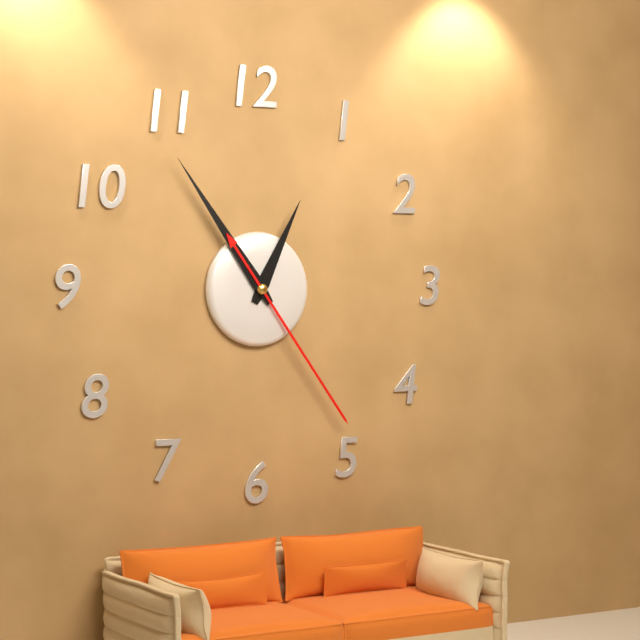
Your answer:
**12:54:24**
